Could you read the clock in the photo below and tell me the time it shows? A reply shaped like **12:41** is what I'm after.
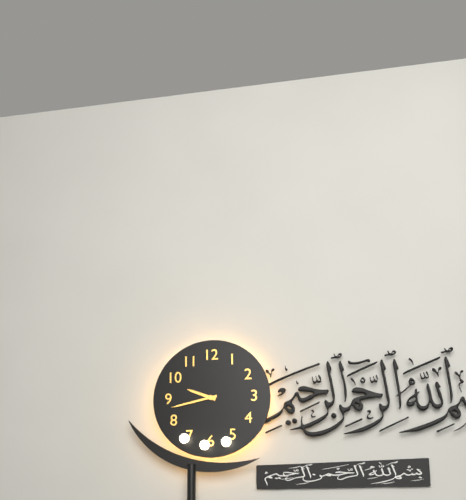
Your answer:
**9:43**
